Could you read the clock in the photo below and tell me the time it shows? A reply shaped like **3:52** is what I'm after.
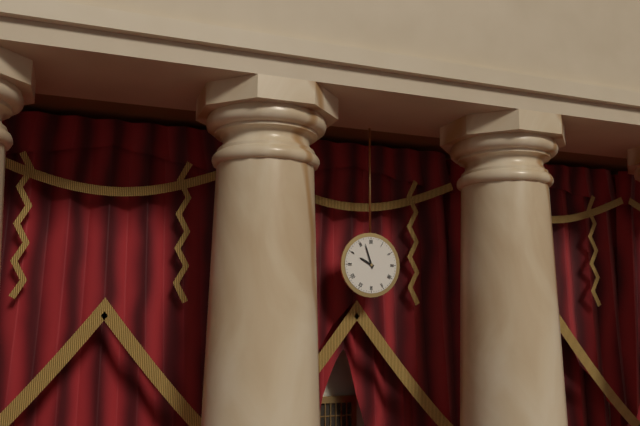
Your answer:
**9:57**
